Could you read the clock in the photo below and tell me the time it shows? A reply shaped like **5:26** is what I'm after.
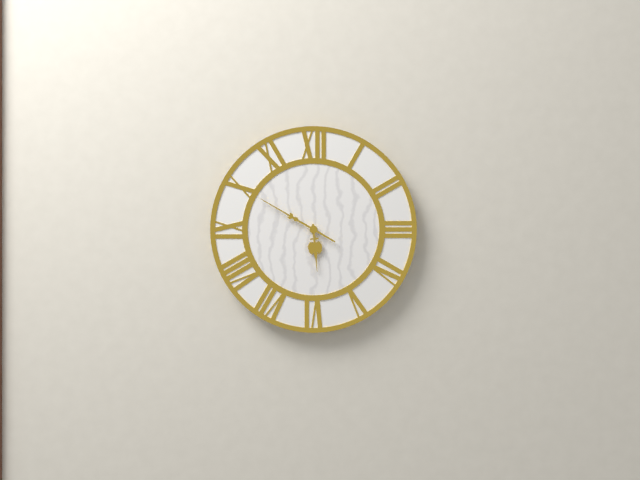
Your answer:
**5:50**
